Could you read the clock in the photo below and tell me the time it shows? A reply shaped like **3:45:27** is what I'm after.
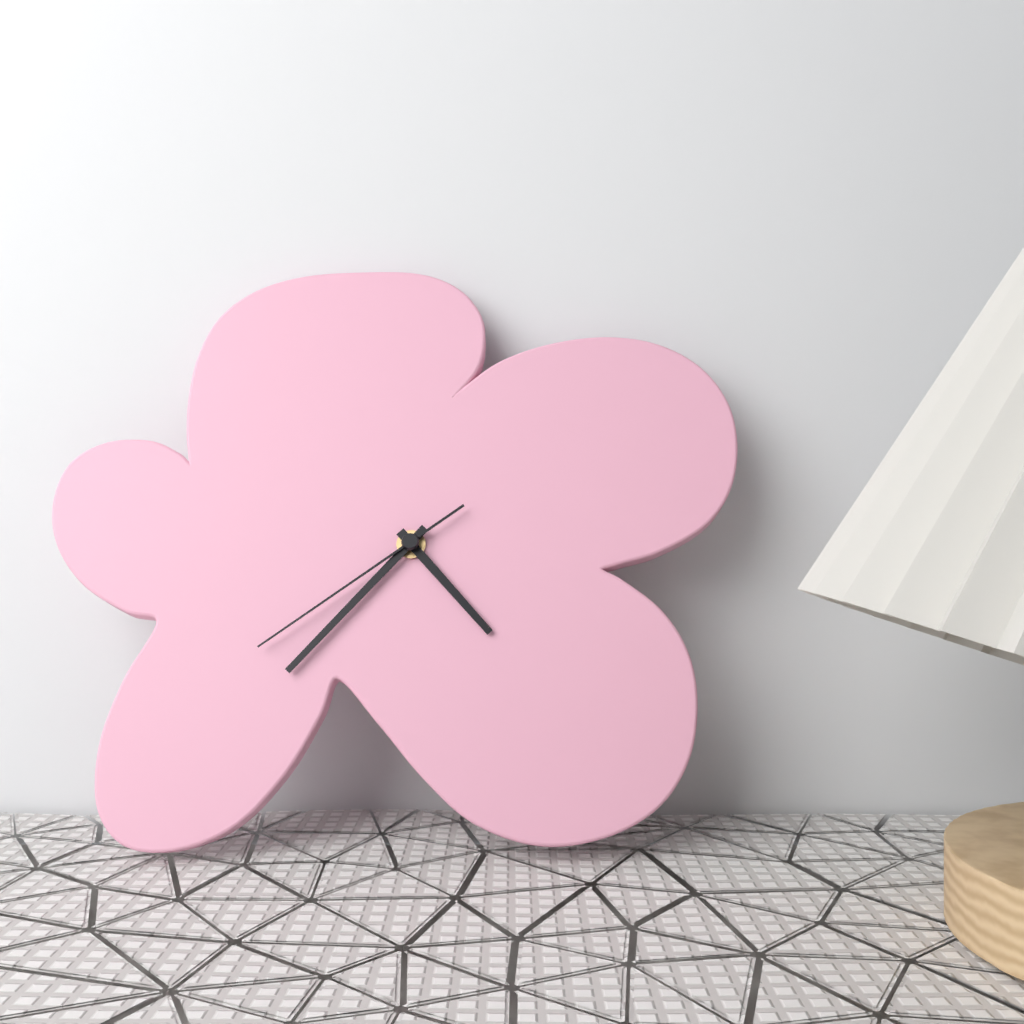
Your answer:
**4:37:39**
